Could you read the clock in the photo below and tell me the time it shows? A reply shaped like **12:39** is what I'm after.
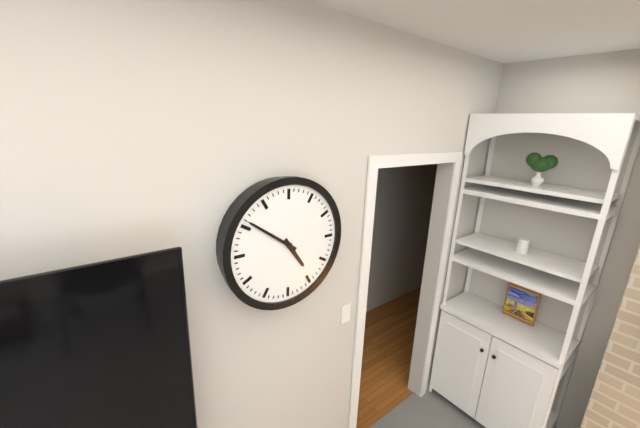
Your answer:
**4:51**
